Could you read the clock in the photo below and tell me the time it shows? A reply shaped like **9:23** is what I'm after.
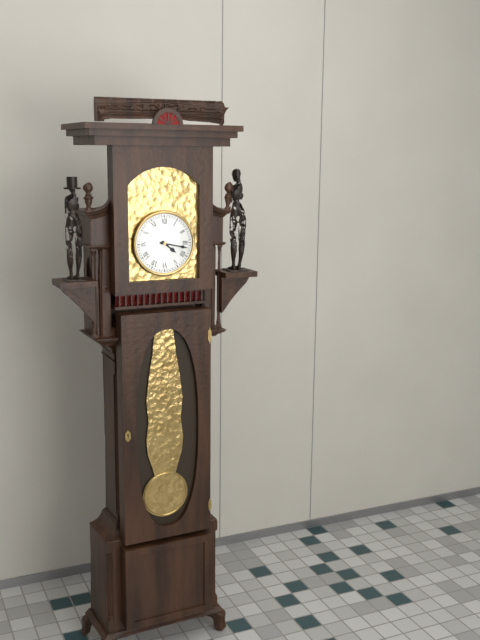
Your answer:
**4:17**
